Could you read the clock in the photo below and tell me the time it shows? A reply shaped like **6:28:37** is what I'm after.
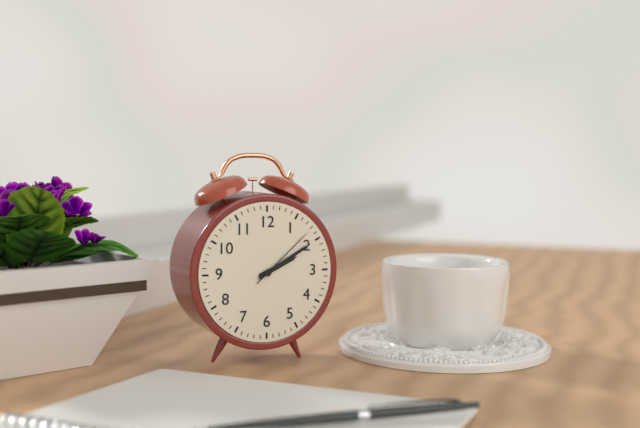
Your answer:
**2:10:08**
